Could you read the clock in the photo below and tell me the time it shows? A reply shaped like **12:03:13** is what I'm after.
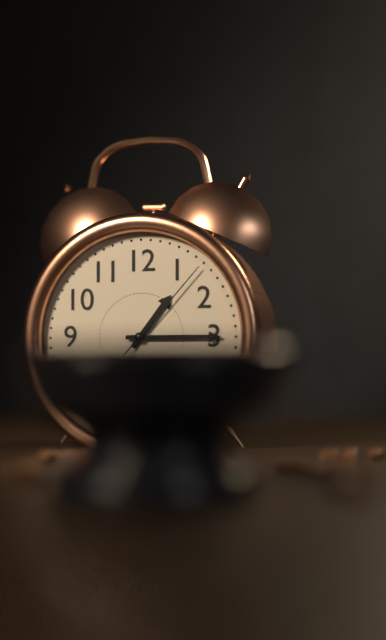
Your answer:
**1:15:07**
